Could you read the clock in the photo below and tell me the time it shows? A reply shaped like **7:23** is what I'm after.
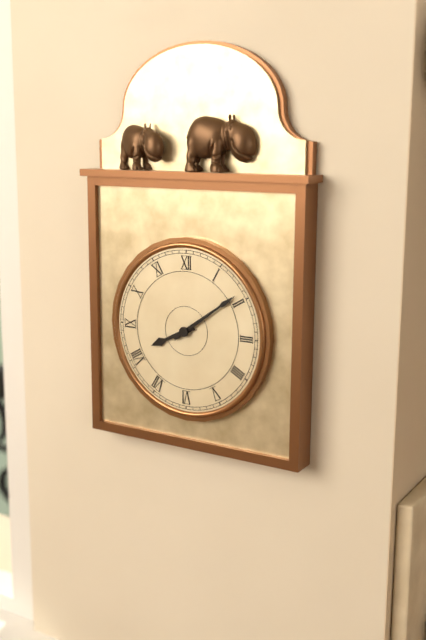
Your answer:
**8:09**
